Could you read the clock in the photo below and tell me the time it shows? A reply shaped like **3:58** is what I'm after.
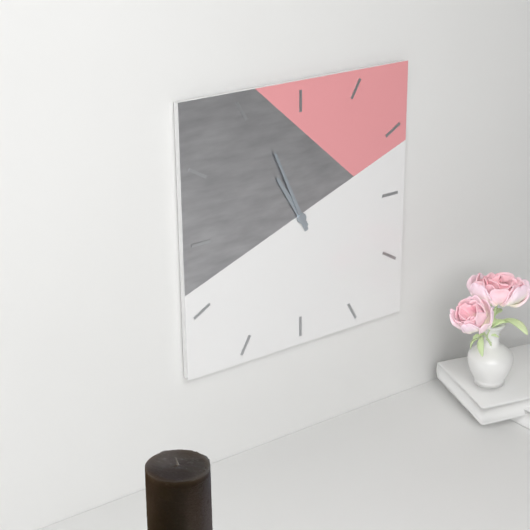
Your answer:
**10:56**
